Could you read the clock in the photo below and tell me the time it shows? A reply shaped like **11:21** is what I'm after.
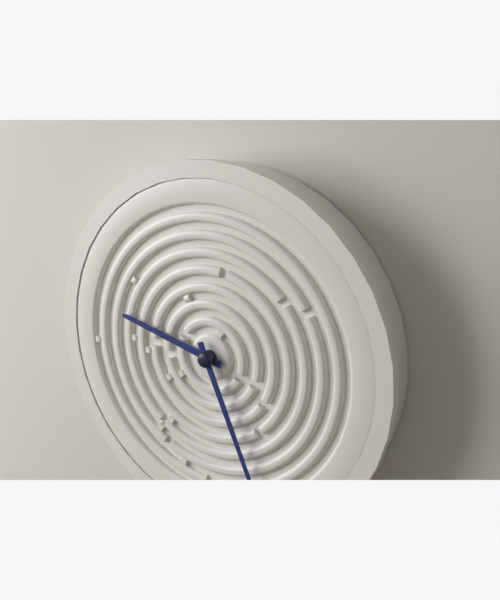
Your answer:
**9:26**
